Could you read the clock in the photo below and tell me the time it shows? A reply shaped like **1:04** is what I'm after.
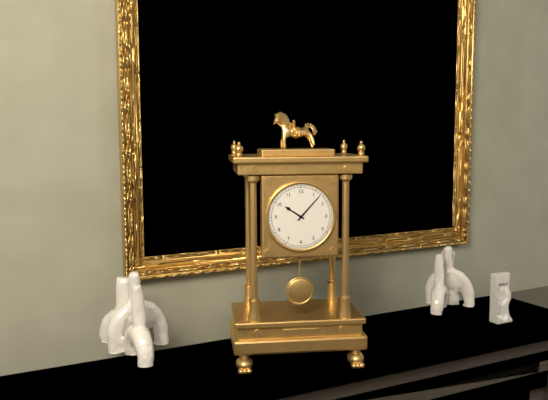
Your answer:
**10:07**
